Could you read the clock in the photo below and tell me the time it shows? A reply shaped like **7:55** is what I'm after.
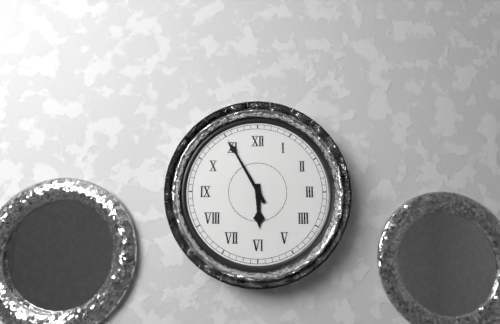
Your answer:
**5:55**
